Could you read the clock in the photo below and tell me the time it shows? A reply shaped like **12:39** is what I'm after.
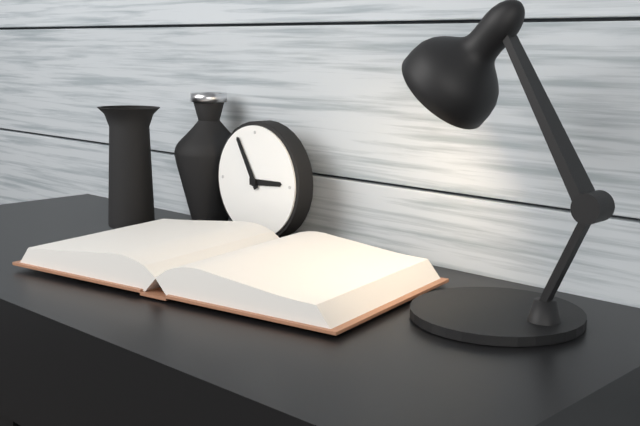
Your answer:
**2:55**
